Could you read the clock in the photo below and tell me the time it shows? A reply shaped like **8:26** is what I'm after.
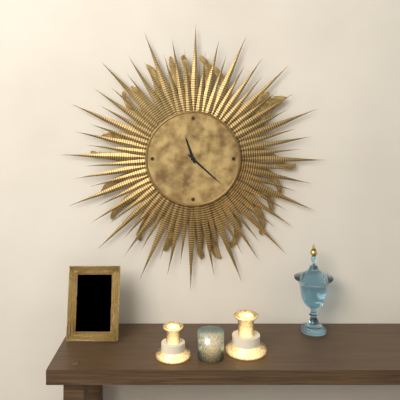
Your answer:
**11:22**
